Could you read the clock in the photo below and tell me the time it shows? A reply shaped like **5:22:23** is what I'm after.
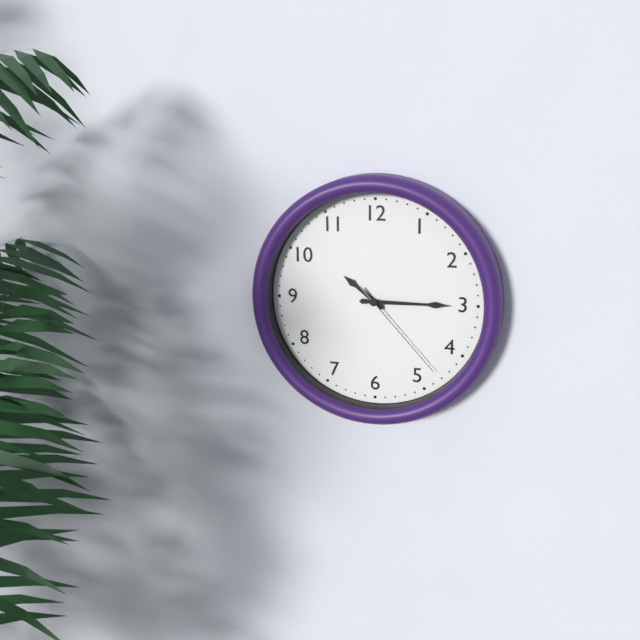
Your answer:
**10:15:23**
